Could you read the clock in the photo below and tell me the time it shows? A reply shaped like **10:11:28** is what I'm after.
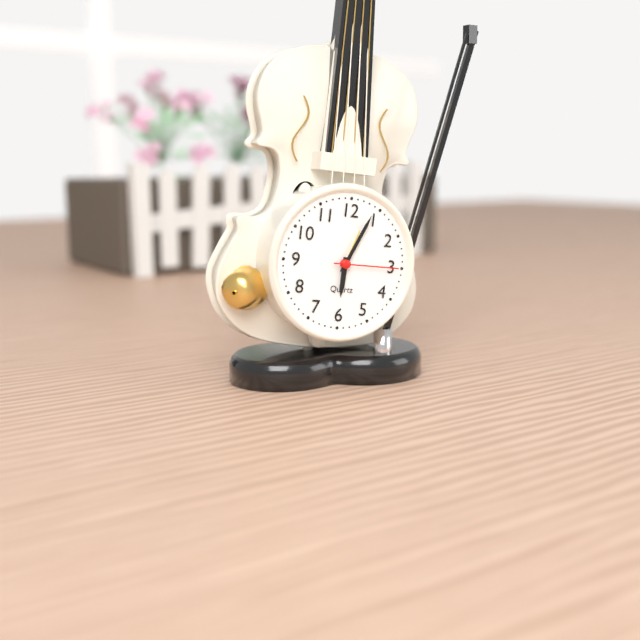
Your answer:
**6:04:15**
